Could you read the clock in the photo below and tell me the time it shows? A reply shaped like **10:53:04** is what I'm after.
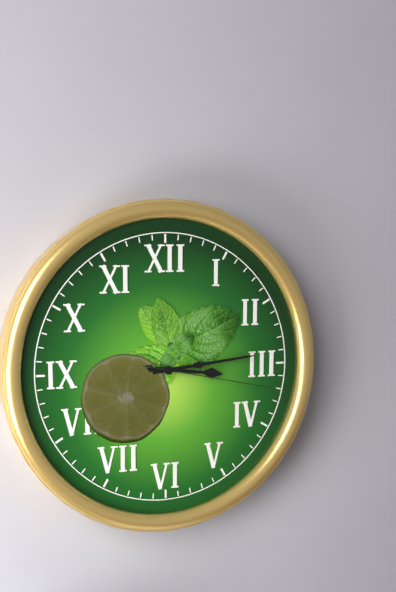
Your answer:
**3:14:17**
